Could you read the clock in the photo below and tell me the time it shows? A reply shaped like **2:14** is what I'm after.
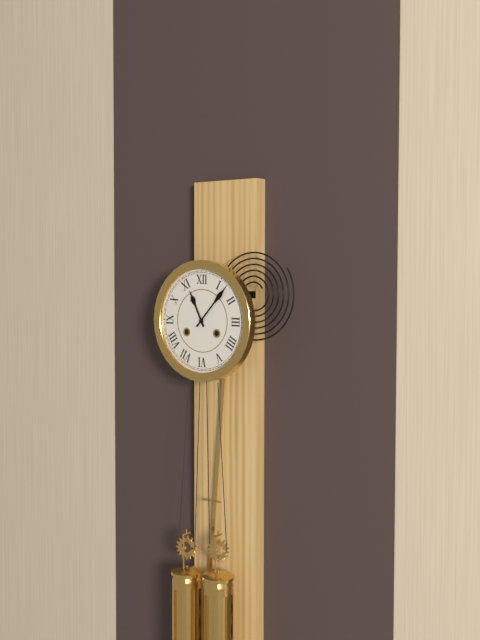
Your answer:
**11:07**
